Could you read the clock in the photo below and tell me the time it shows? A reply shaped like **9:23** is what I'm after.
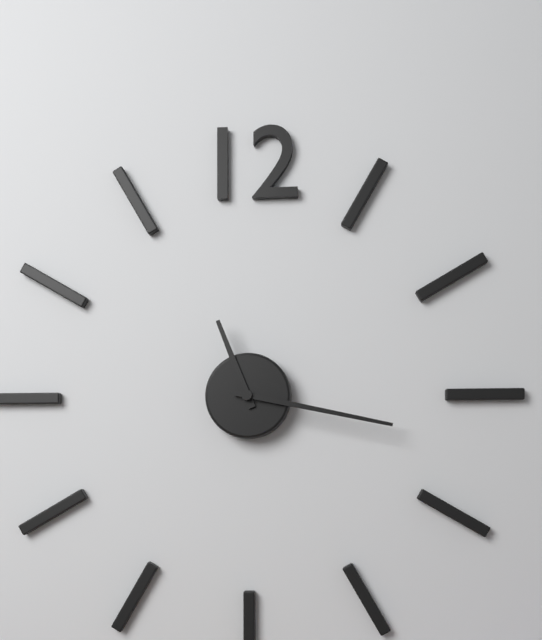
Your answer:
**11:17**
